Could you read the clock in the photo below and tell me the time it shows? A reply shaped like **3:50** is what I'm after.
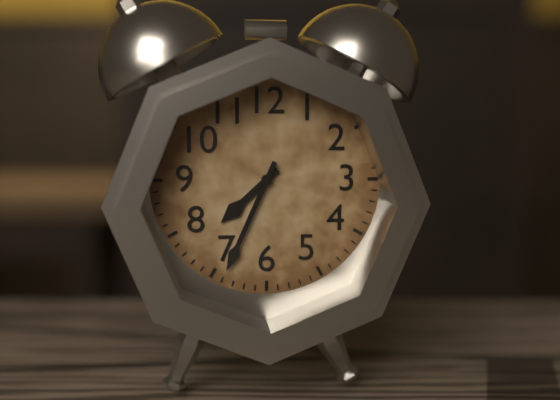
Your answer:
**7:34**
